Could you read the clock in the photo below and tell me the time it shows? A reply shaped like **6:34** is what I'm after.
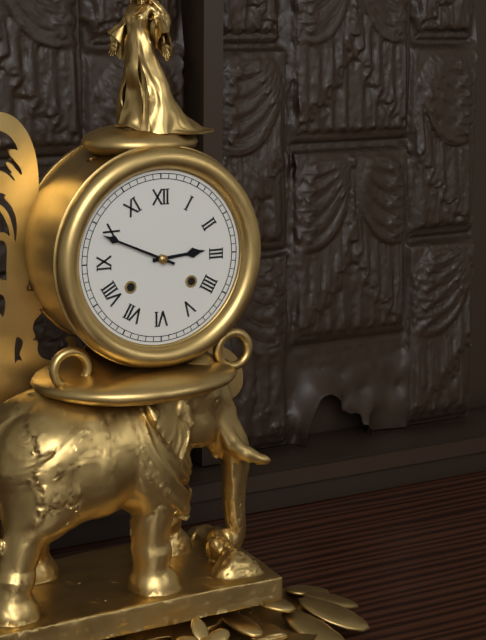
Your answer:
**2:49**
